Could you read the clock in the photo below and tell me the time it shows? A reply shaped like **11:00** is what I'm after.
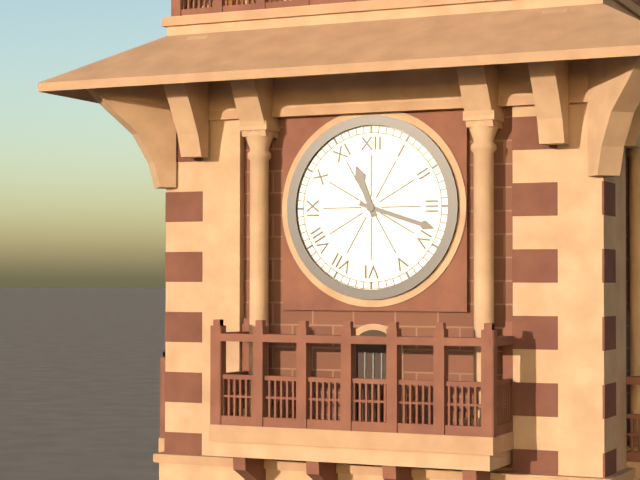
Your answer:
**11:18**
